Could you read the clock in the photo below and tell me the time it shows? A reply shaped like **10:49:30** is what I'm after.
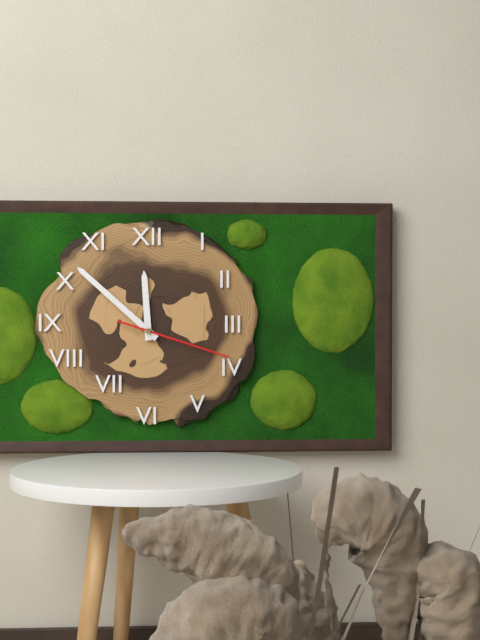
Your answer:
**11:52:18**
